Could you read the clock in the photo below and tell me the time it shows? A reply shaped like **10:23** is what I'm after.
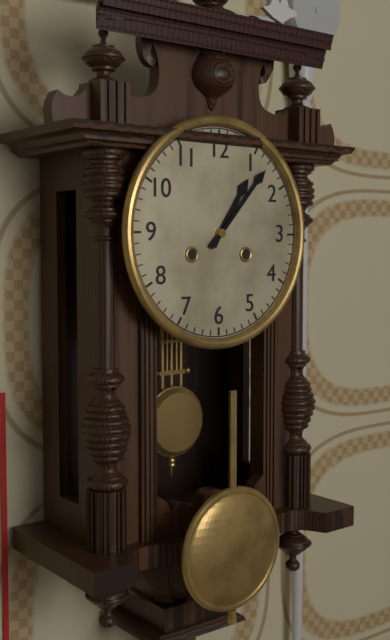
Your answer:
**1:07**
